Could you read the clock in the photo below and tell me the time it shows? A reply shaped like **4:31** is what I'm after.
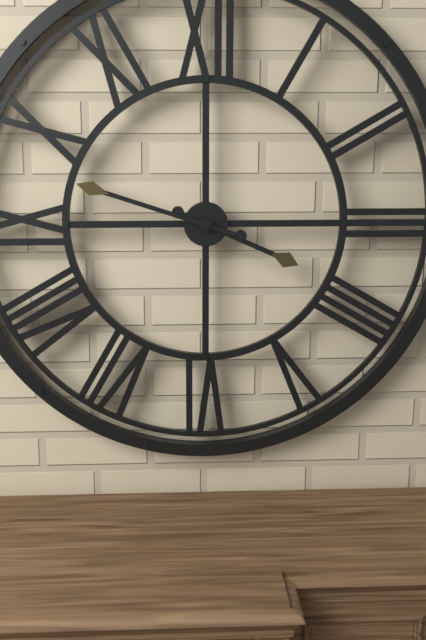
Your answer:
**3:48**
